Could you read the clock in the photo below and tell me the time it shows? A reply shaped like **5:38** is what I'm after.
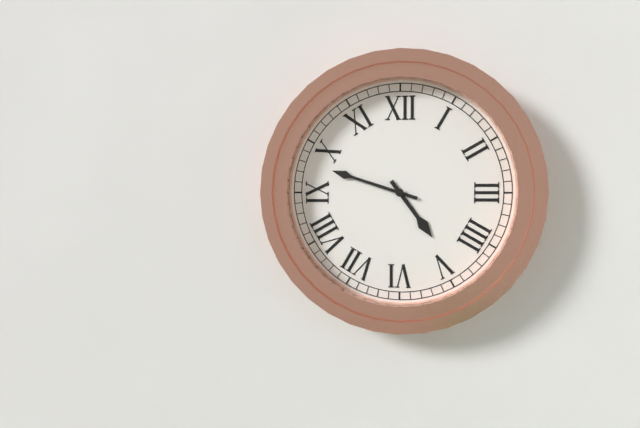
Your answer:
**4:48**
